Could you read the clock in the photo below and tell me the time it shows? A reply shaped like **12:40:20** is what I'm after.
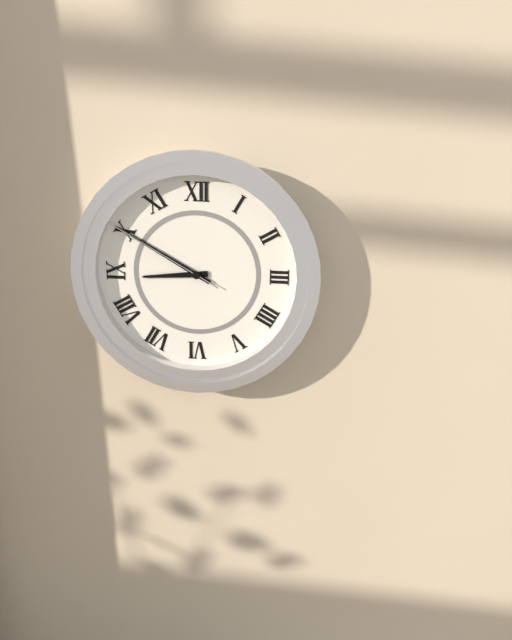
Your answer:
**8:50:50**
